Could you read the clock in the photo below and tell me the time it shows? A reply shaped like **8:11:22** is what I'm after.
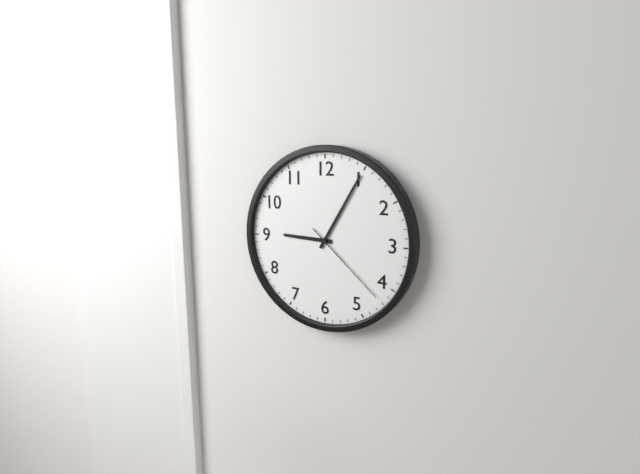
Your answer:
**9:05:22**
